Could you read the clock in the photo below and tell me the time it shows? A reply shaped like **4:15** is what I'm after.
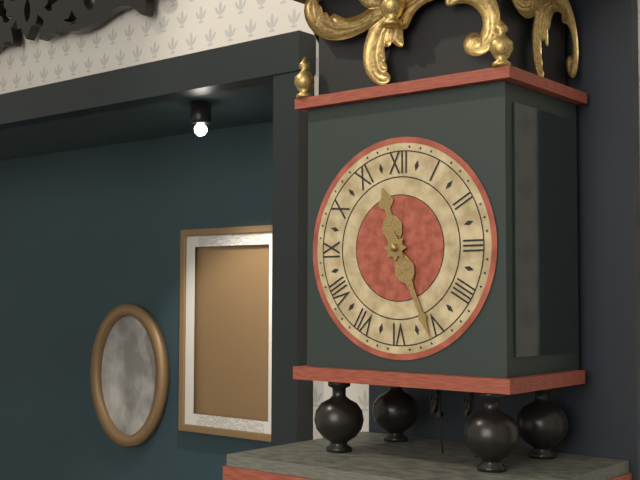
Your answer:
**11:26**
